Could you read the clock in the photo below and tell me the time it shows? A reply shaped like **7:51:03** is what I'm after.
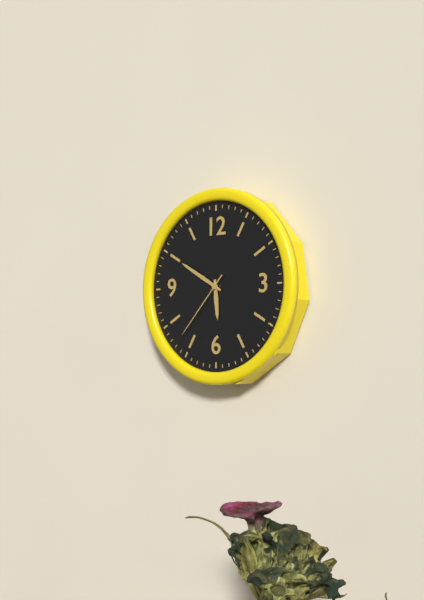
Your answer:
**5:50:37**
